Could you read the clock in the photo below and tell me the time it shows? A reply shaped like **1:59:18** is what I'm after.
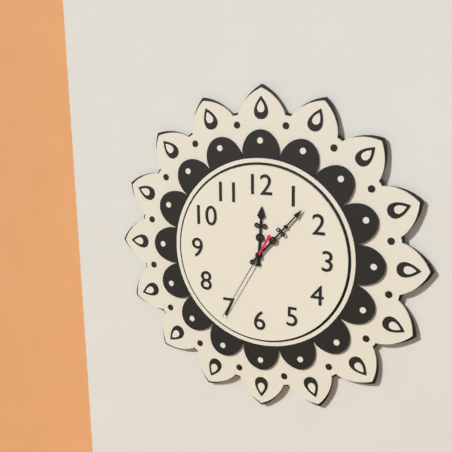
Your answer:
**12:07:35**
